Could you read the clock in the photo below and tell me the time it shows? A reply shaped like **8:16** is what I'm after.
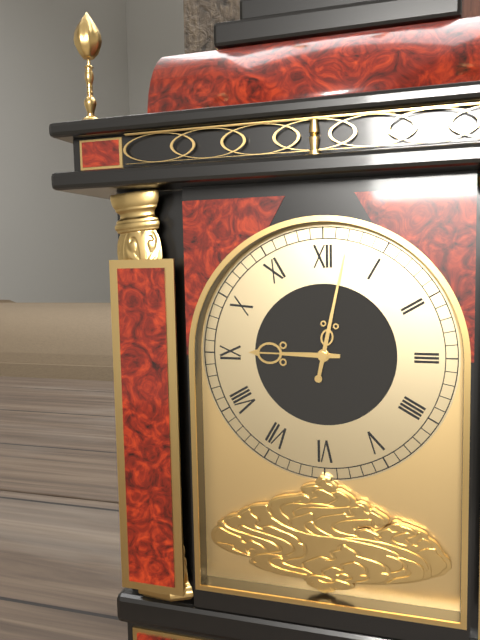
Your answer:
**9:02**
